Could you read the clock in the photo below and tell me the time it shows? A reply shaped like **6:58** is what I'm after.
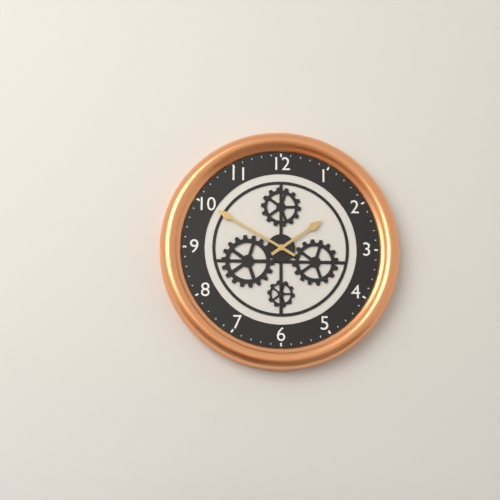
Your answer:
**1:50**
